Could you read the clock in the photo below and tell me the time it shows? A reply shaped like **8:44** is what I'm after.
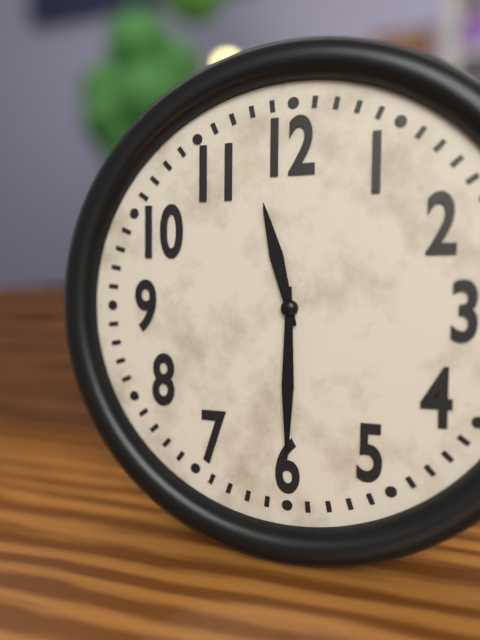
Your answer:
**11:30**
